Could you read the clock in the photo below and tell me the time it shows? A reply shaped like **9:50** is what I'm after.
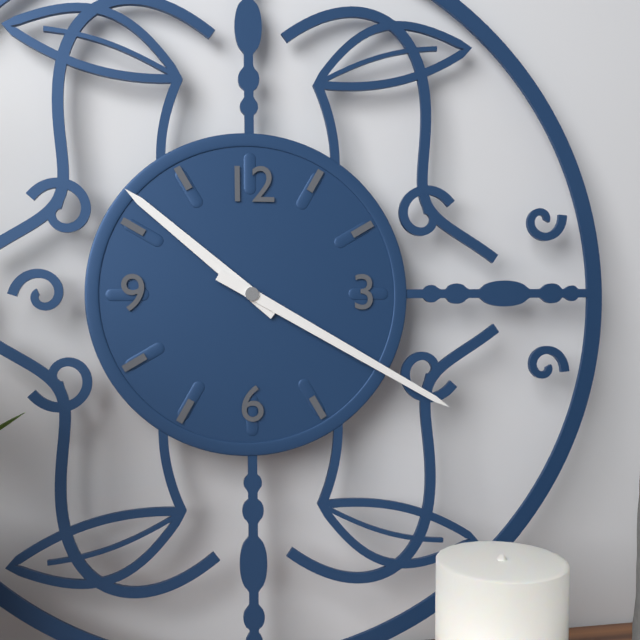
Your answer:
**10:20**
